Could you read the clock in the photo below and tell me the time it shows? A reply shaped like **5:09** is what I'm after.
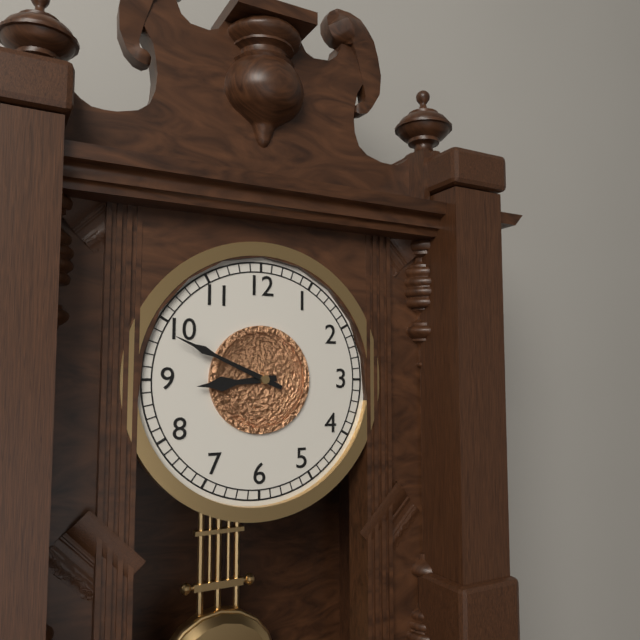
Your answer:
**8:49**
